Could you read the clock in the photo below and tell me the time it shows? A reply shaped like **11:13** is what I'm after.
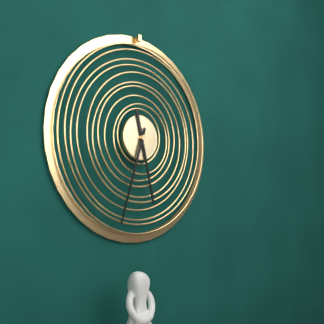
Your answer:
**5:33**
